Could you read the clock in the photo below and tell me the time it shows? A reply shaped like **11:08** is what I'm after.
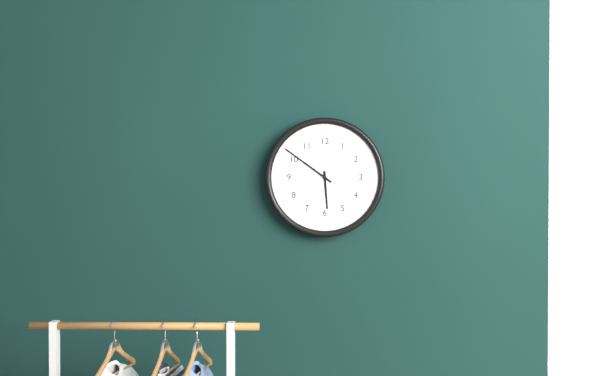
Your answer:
**5:51**
